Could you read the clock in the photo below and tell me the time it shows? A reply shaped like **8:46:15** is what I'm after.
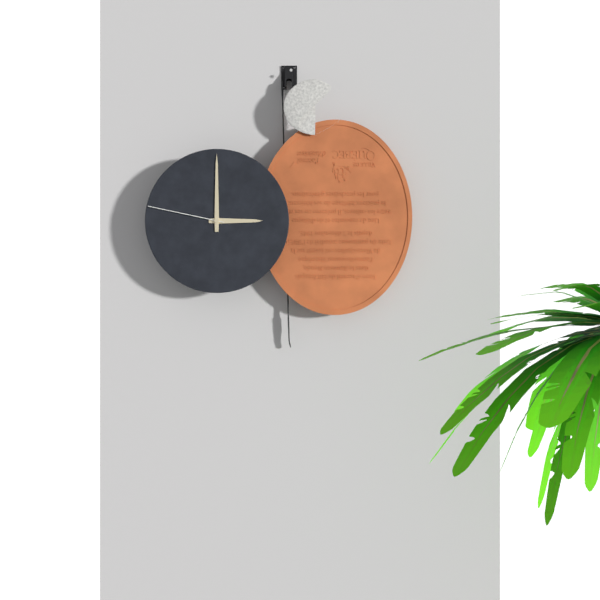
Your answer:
**3:00:47**
